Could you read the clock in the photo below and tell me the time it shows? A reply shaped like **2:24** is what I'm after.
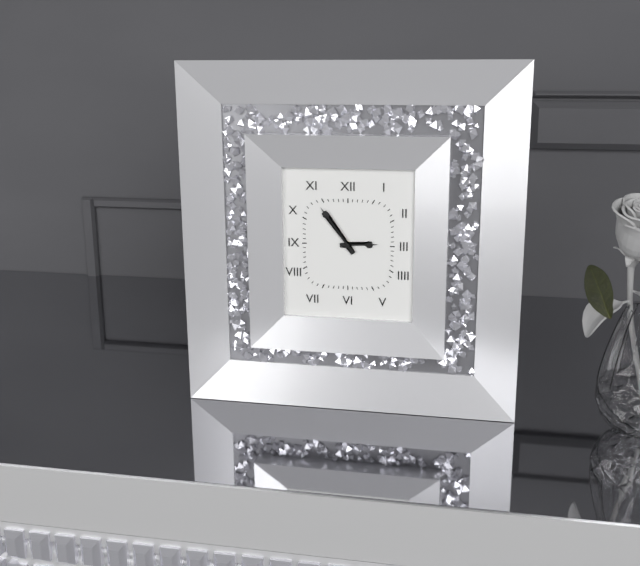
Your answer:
**2:54**
